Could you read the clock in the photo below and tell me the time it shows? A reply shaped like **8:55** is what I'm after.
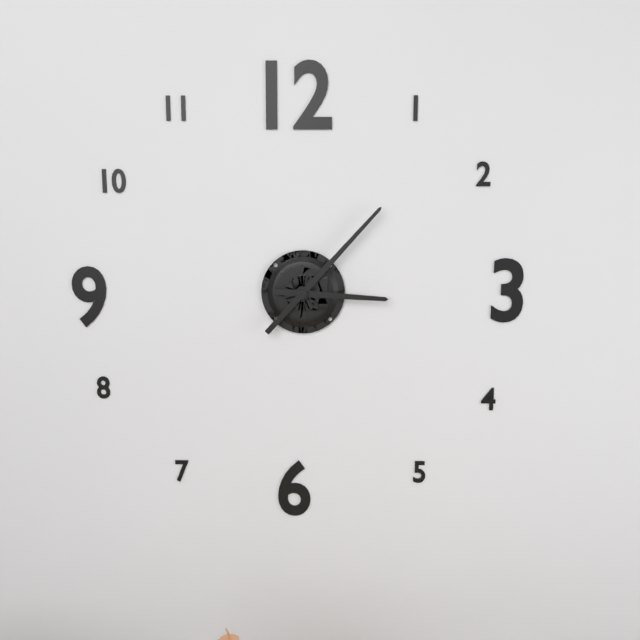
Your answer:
**3:07**
